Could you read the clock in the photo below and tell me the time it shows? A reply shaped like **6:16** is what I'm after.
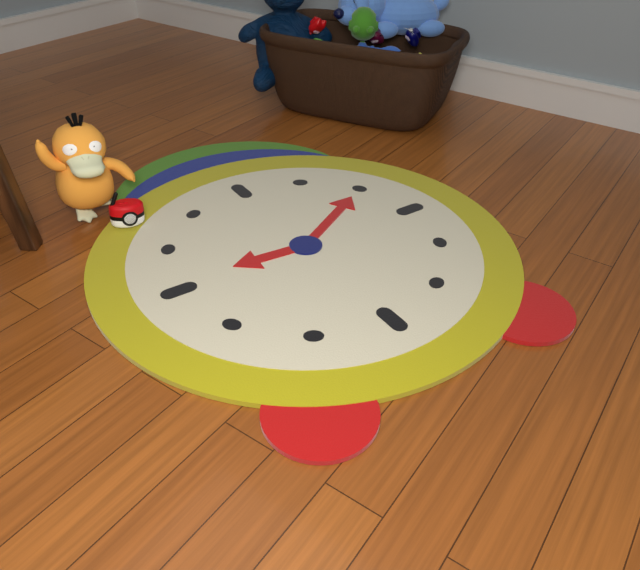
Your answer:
**9:10**
